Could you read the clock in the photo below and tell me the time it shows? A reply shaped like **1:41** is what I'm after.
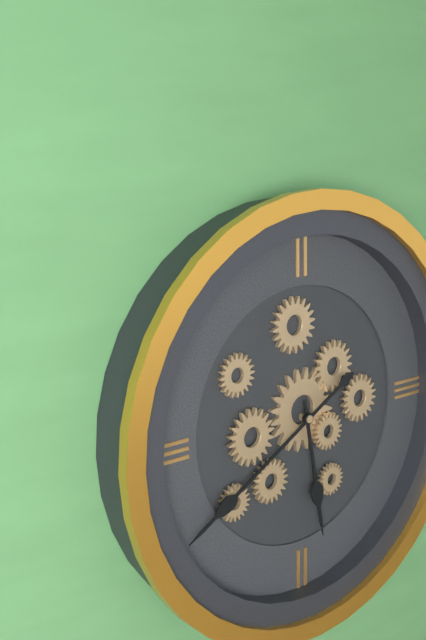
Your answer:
**5:40**
